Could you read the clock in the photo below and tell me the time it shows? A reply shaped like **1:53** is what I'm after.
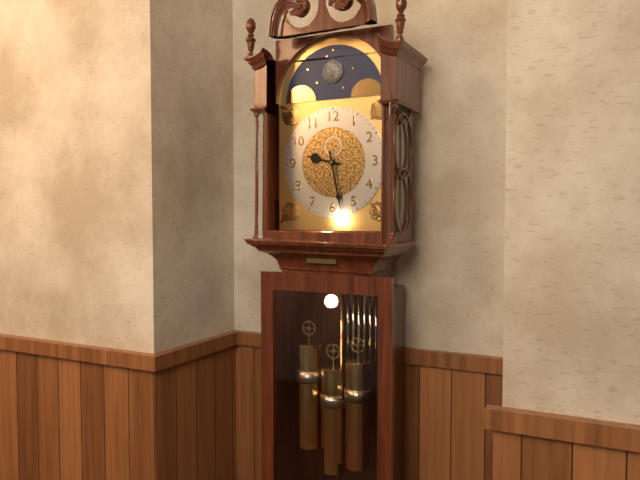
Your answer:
**9:28**
